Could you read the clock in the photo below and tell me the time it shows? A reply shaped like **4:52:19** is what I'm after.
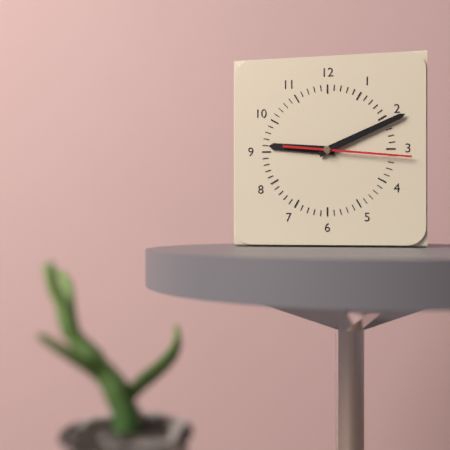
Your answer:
**9:11:16**
